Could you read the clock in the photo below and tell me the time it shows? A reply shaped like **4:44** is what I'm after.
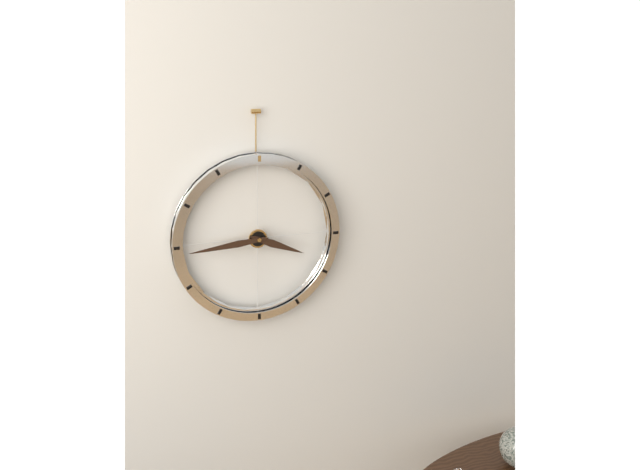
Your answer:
**3:44**
